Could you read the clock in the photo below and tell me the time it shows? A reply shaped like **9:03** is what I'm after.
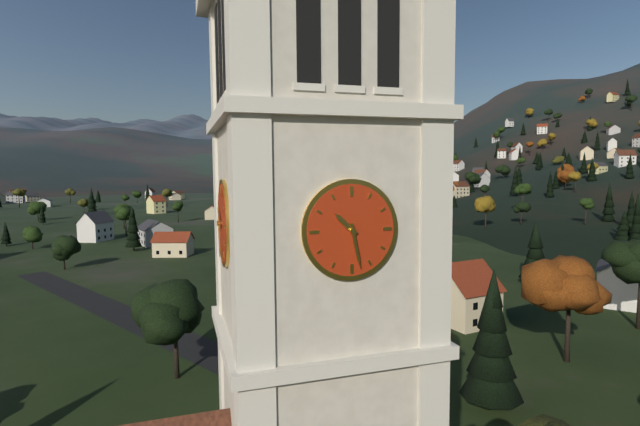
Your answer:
**10:28**
